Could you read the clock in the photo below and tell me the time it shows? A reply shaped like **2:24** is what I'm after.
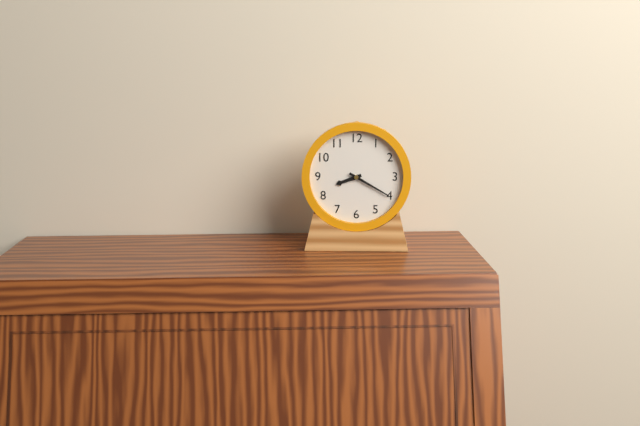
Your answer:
**8:20**
